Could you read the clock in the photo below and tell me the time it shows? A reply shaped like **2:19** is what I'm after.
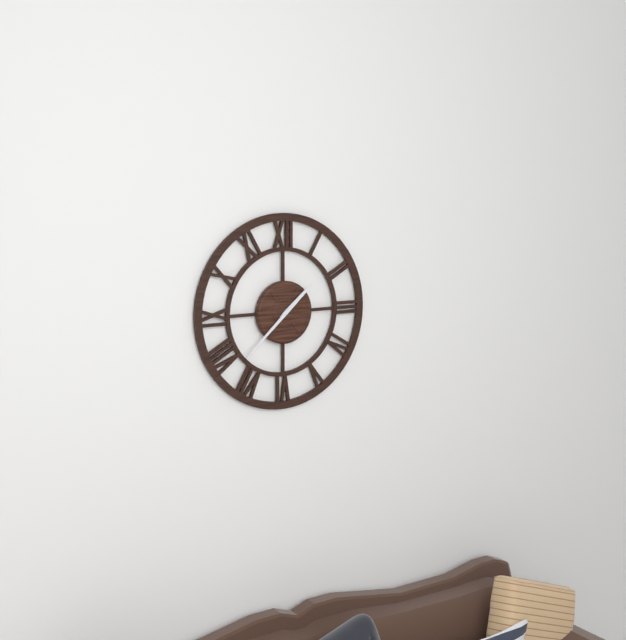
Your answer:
**1:38**
